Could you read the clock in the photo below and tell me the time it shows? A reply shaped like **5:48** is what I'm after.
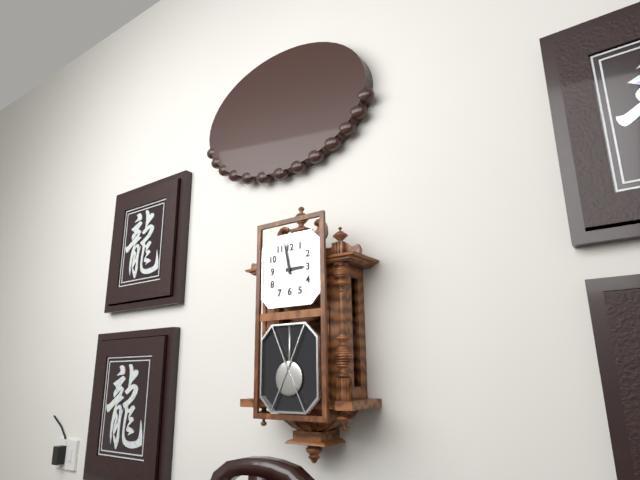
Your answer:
**2:58**
